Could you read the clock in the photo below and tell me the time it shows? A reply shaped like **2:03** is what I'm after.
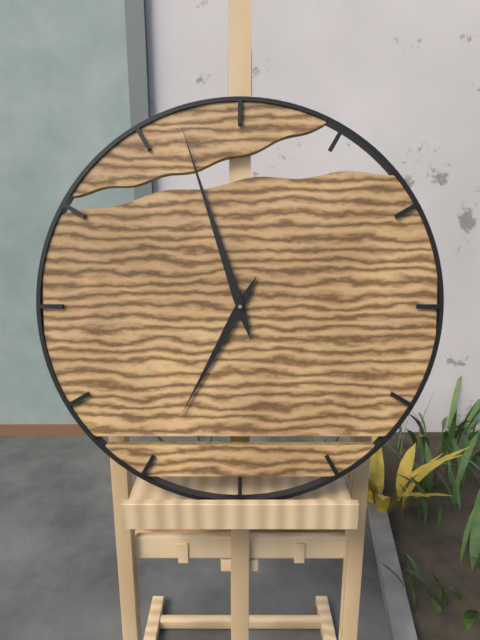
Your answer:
**6:57**
